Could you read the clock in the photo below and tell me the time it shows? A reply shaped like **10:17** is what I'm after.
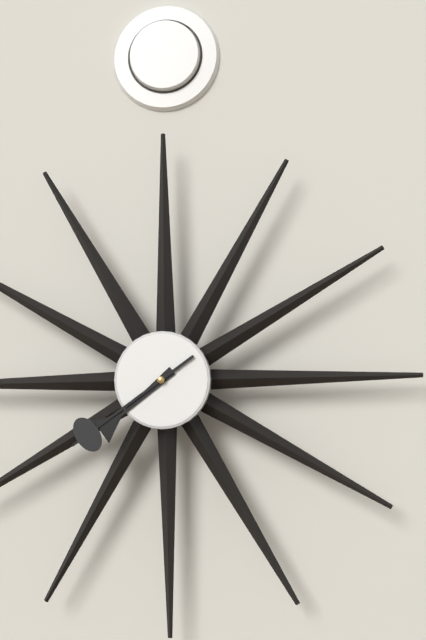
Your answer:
**7:39**
